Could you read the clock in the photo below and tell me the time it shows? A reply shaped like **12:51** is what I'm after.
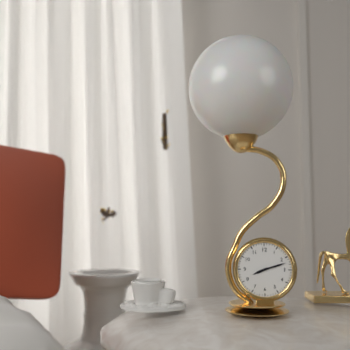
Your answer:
**8:12**
